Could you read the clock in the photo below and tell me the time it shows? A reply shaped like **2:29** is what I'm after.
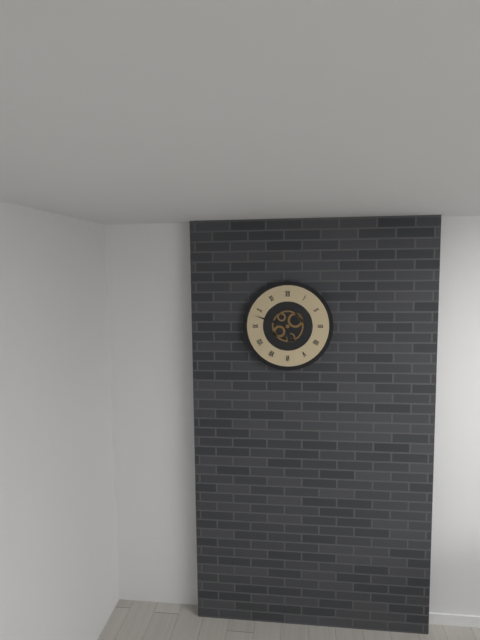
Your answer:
**5:48**
